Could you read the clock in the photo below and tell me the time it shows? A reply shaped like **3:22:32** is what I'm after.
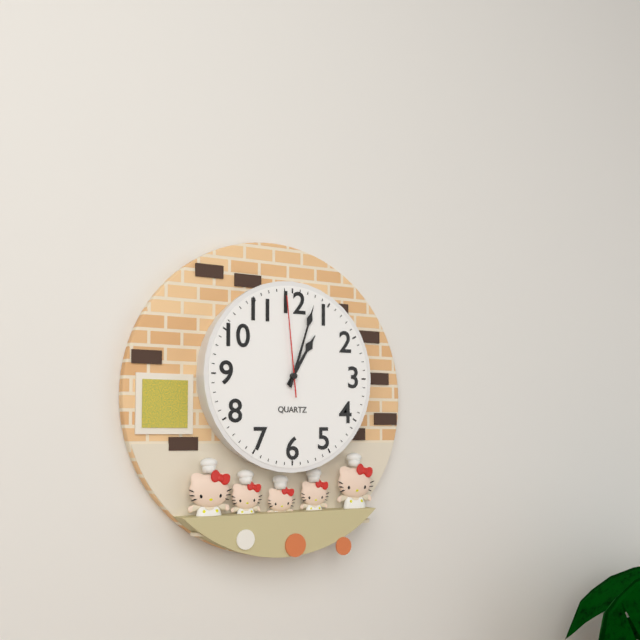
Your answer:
**1:03:59**
